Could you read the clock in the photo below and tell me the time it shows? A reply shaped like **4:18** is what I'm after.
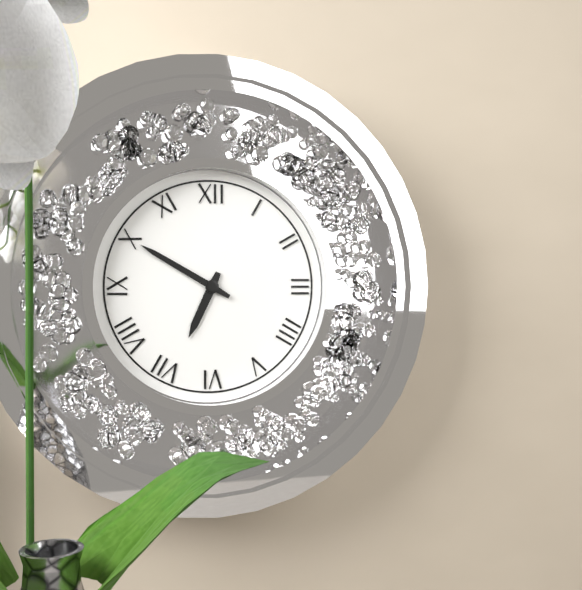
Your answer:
**6:50**
